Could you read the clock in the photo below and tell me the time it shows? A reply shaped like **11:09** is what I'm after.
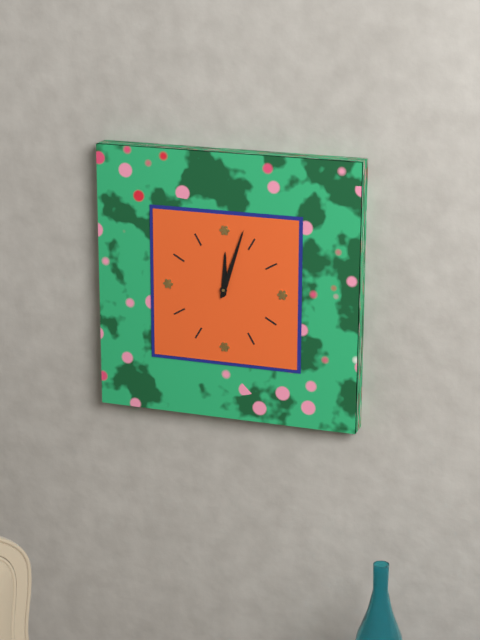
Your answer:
**12:03**
